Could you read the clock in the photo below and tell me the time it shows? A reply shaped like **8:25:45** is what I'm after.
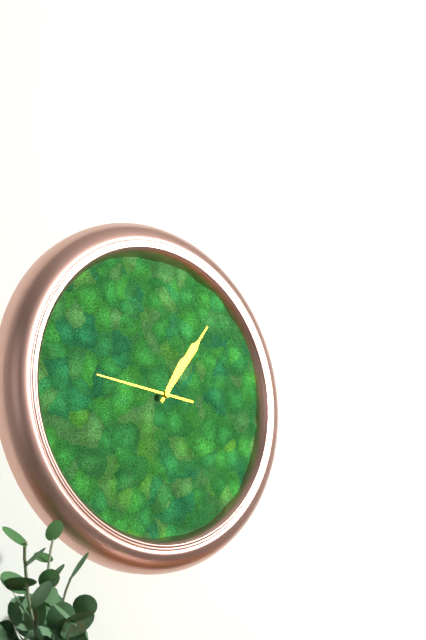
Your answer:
**1:06:46**
